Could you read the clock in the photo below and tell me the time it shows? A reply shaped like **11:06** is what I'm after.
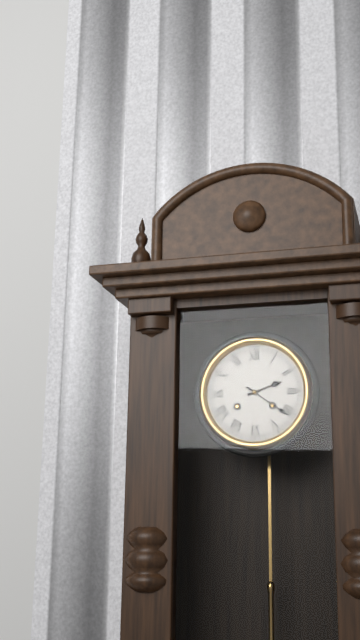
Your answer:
**2:21**
